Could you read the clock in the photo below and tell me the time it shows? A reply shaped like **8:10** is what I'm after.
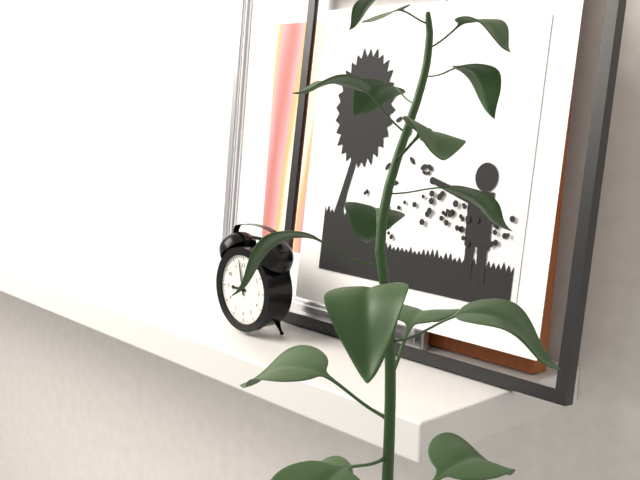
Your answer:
**8:58**
